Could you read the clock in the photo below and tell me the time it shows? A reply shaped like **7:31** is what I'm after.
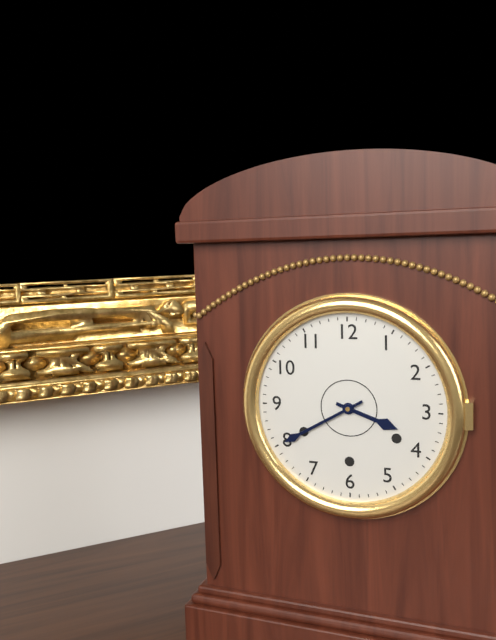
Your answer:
**3:40**
